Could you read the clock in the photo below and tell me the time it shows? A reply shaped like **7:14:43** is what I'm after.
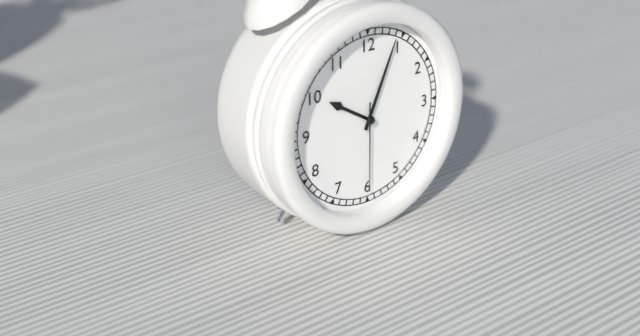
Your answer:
**10:04:30**
